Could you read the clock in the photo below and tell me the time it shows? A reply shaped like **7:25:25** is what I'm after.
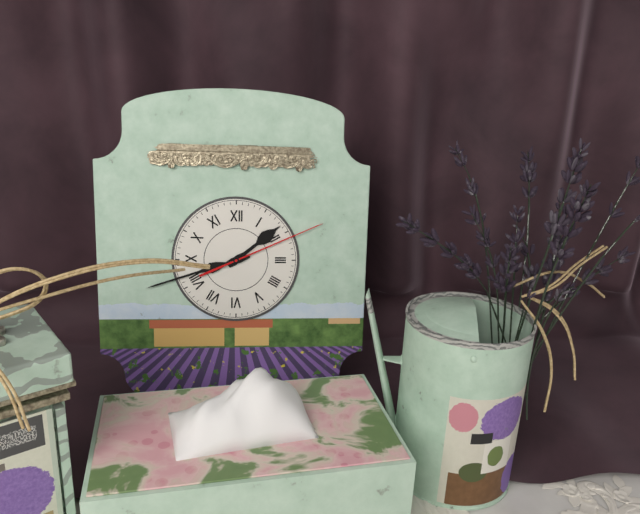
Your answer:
**1:42:11**
